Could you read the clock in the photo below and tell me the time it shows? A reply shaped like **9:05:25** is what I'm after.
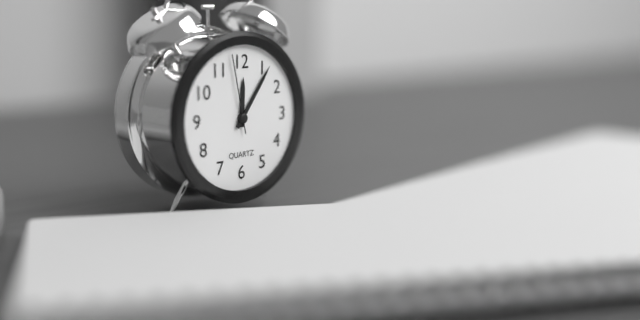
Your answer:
**12:06:58**
